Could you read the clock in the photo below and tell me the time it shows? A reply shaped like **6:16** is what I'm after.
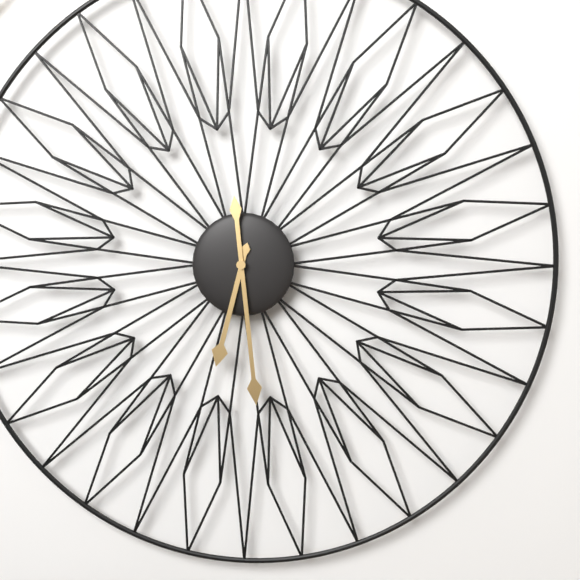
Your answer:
**6:29**
